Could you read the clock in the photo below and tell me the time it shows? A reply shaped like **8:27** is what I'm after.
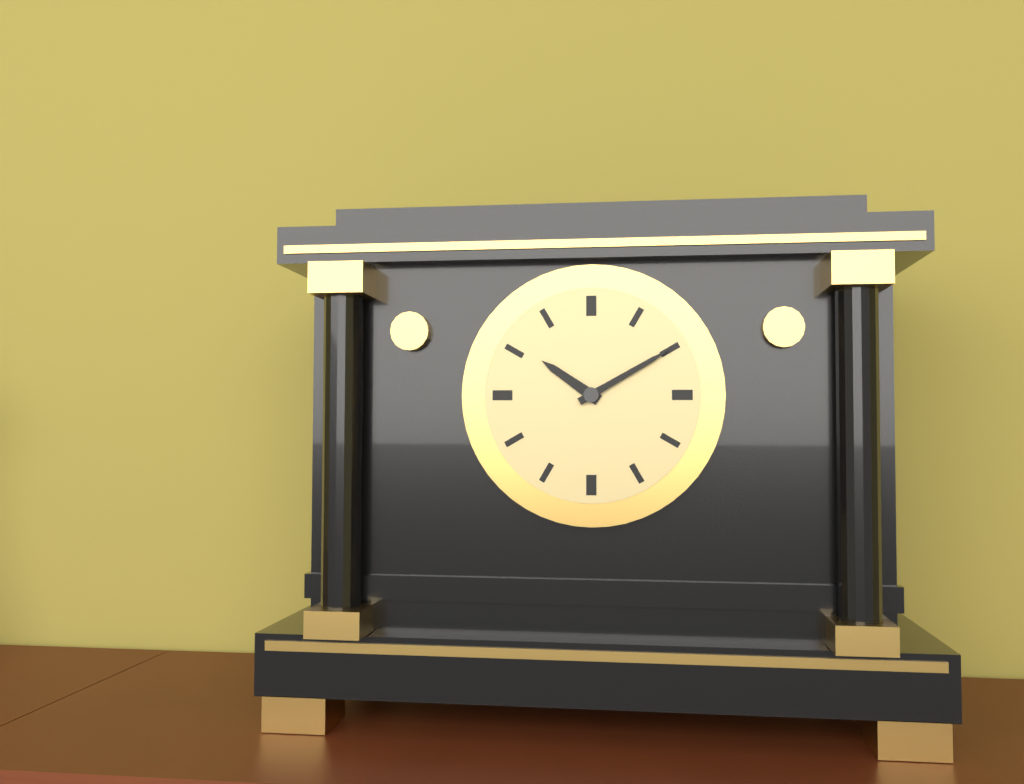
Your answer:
**10:10**
